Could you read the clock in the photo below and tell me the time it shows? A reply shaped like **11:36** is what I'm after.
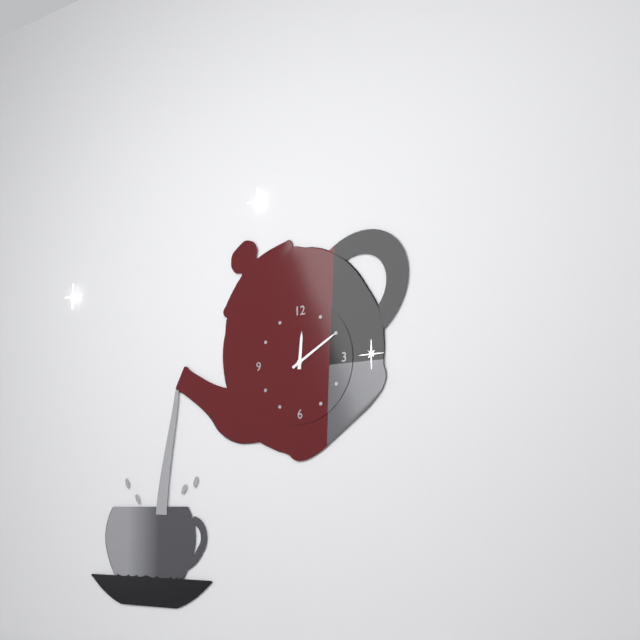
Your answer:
**12:10**
